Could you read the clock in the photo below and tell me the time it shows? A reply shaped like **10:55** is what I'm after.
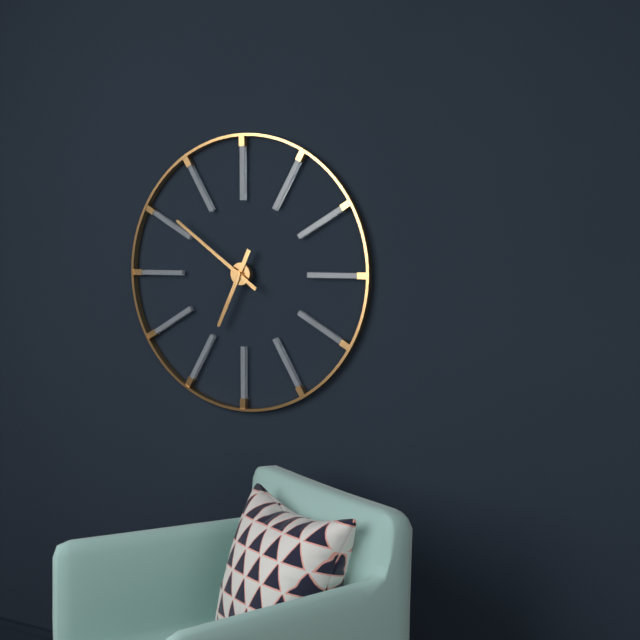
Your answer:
**6:51**
